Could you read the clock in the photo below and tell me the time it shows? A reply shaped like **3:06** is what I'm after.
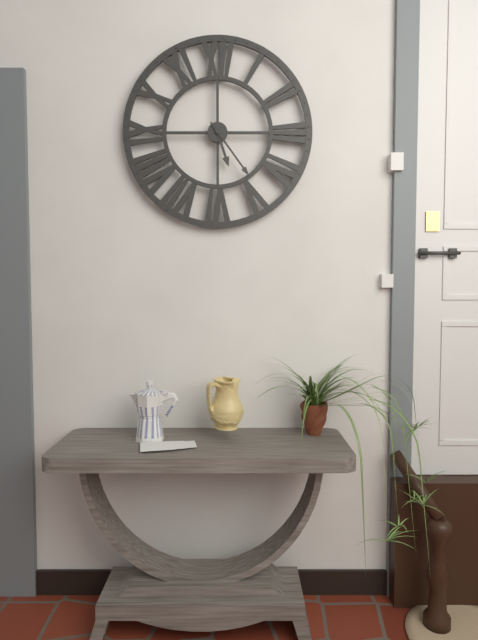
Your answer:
**5:24**
